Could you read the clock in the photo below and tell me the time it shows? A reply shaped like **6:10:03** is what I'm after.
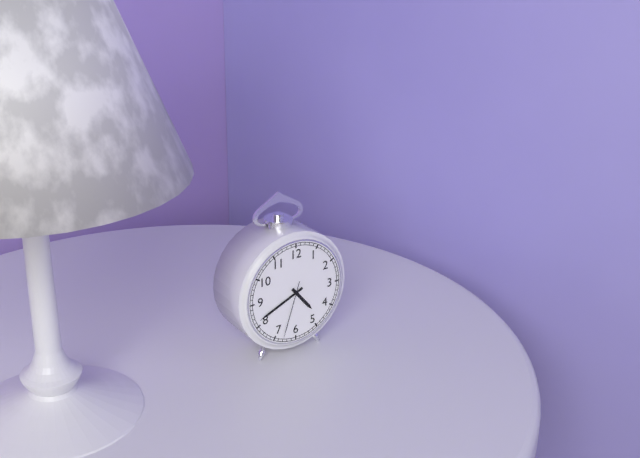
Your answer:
**4:41:33**
